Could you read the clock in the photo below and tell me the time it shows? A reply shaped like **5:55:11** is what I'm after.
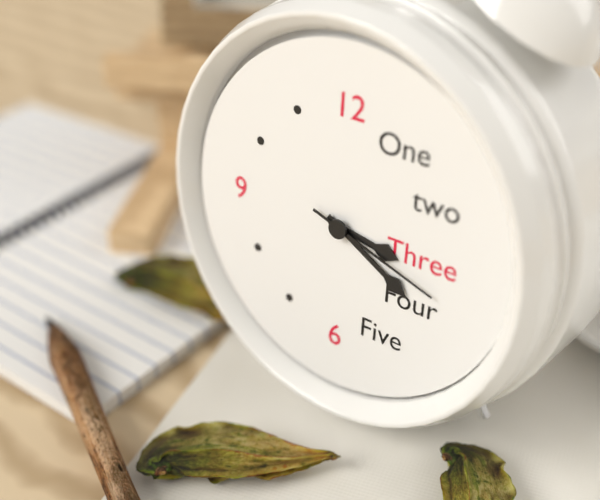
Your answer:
**3:20:18**
